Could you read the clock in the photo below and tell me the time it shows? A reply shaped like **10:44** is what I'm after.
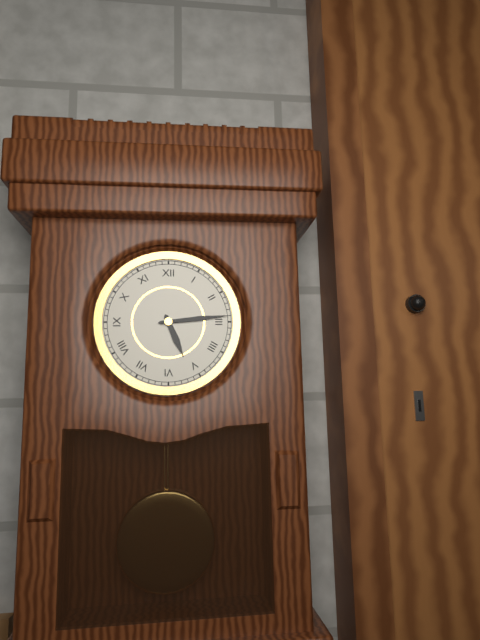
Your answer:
**5:14**
